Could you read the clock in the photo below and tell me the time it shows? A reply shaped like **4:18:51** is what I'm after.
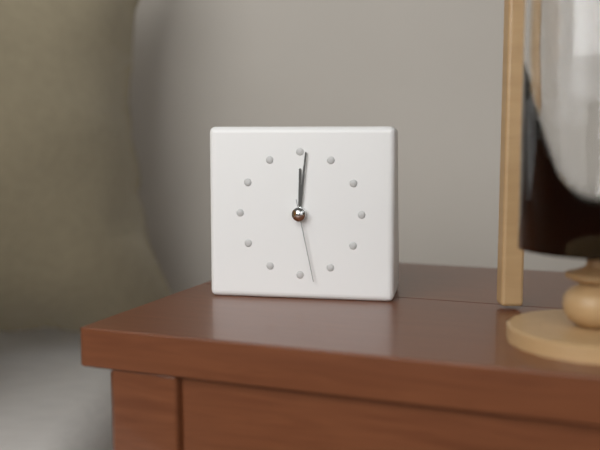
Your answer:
**12:01:28**
